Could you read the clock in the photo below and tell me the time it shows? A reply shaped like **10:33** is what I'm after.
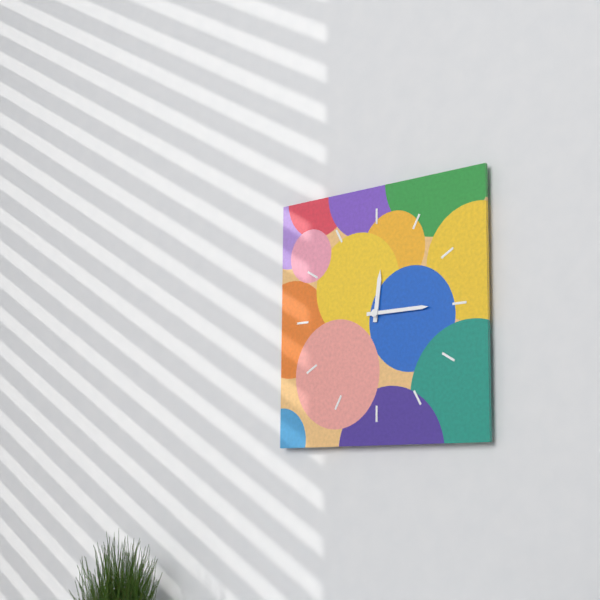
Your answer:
**12:15**
